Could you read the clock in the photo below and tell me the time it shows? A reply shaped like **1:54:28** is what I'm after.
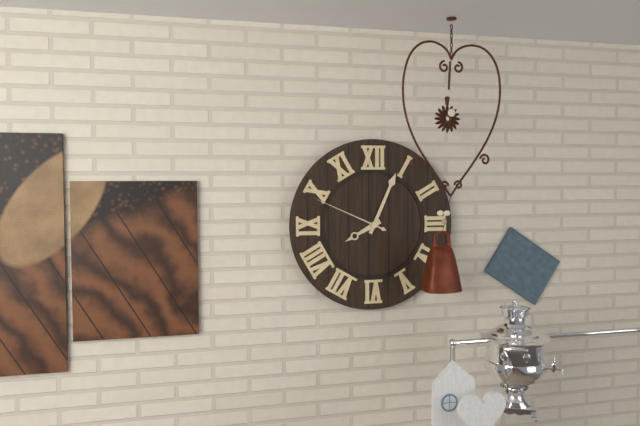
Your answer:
**8:04:49**
